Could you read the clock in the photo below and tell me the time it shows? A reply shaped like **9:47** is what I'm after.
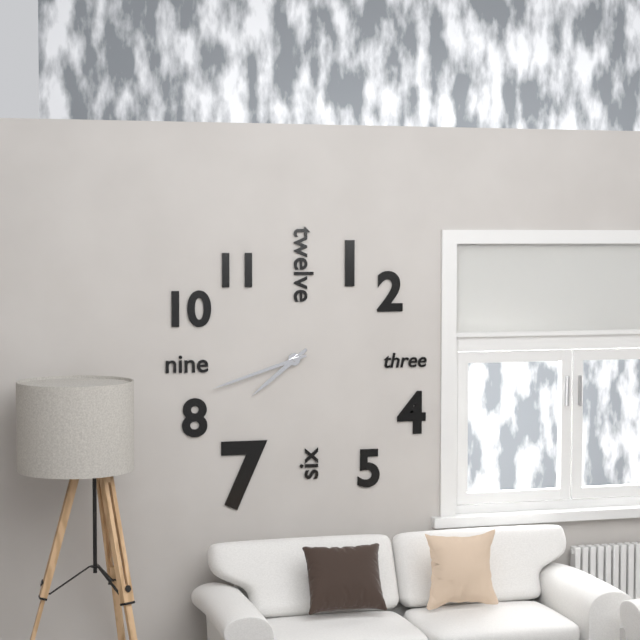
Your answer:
**7:42**
